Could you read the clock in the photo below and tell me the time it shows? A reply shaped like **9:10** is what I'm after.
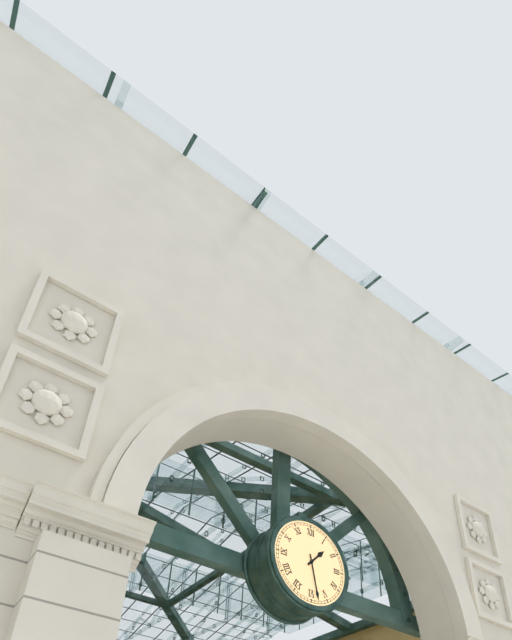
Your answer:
**1:28**
